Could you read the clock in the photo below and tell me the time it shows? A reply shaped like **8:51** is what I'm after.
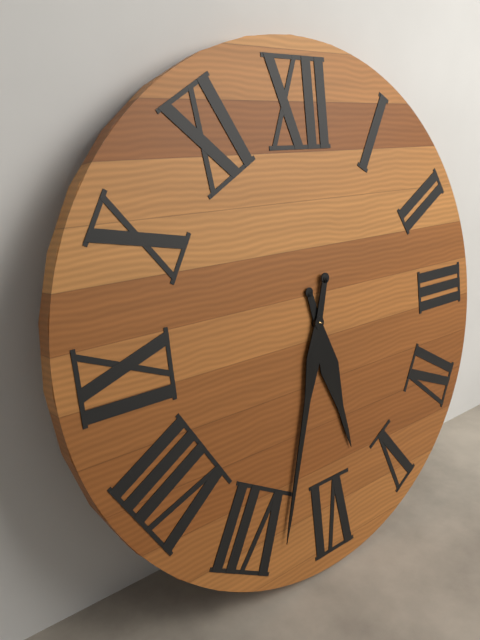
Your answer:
**5:33**
